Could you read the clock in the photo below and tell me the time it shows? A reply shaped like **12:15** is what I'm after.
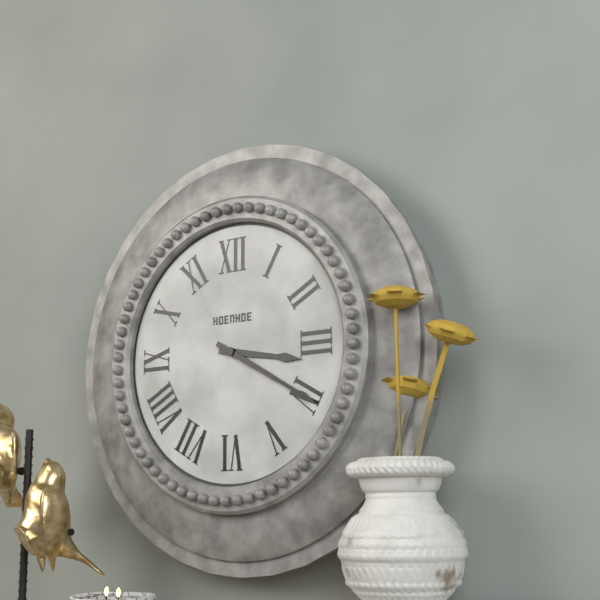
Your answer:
**3:20**
